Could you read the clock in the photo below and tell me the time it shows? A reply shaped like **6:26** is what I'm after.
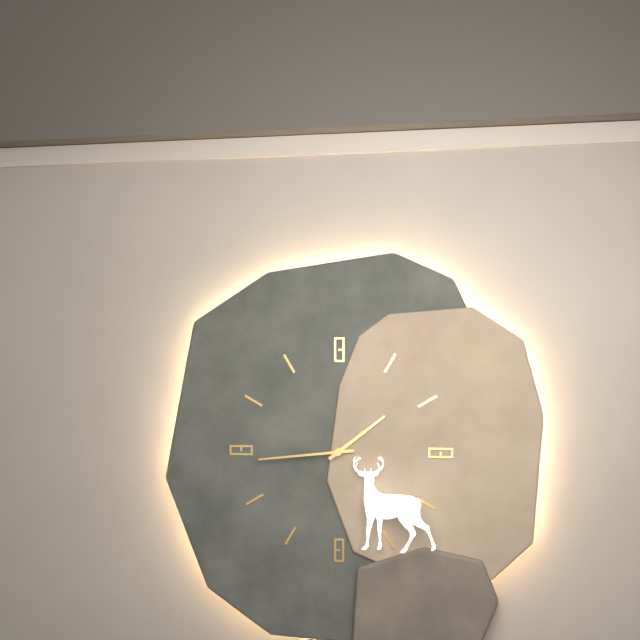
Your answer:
**1:44**
